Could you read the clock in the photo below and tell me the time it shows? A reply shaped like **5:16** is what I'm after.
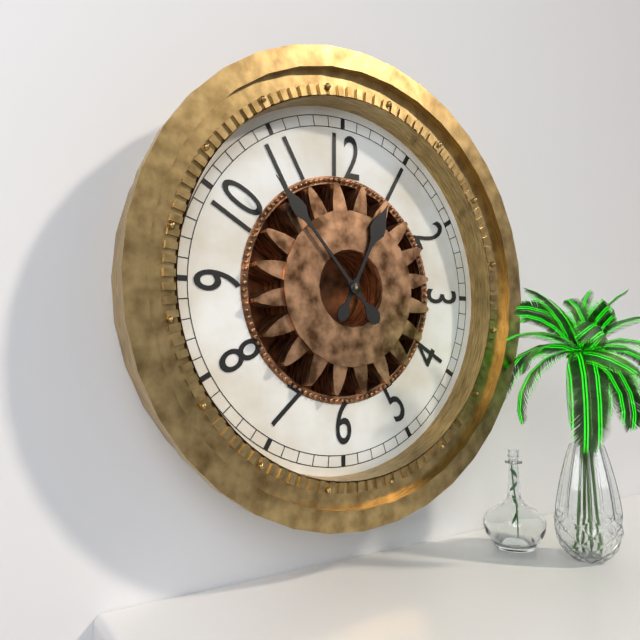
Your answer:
**12:53**
